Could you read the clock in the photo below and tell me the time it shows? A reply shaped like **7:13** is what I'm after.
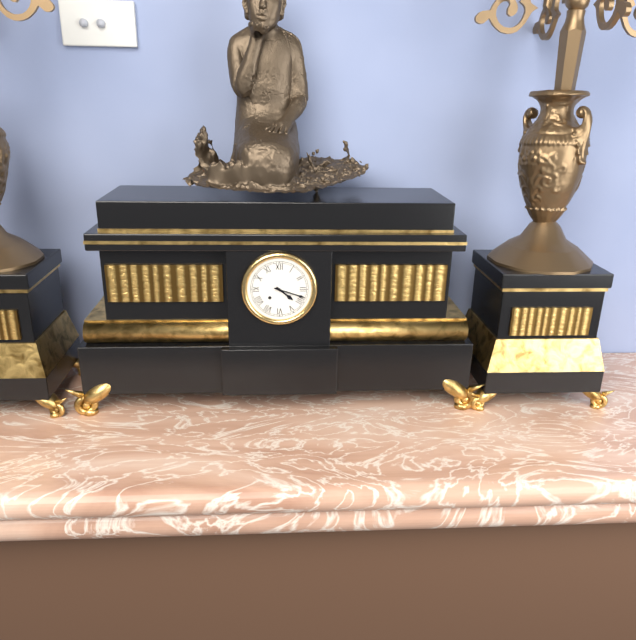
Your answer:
**4:18**
